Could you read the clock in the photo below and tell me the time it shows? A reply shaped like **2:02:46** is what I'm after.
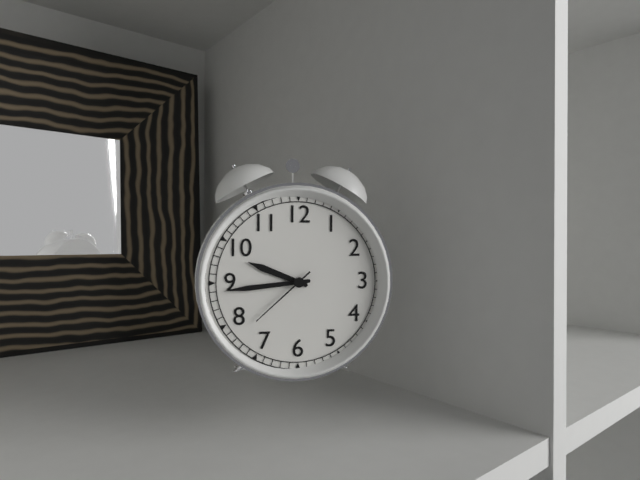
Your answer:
**9:44:38**
